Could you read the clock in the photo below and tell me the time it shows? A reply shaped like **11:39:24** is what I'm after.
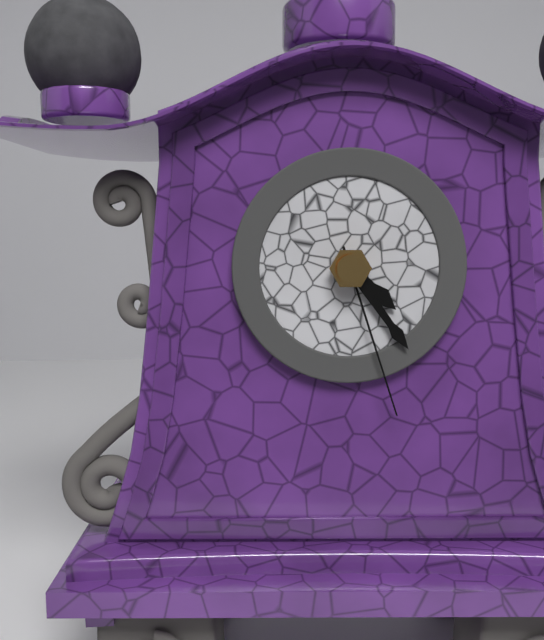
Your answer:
**4:24:27**
